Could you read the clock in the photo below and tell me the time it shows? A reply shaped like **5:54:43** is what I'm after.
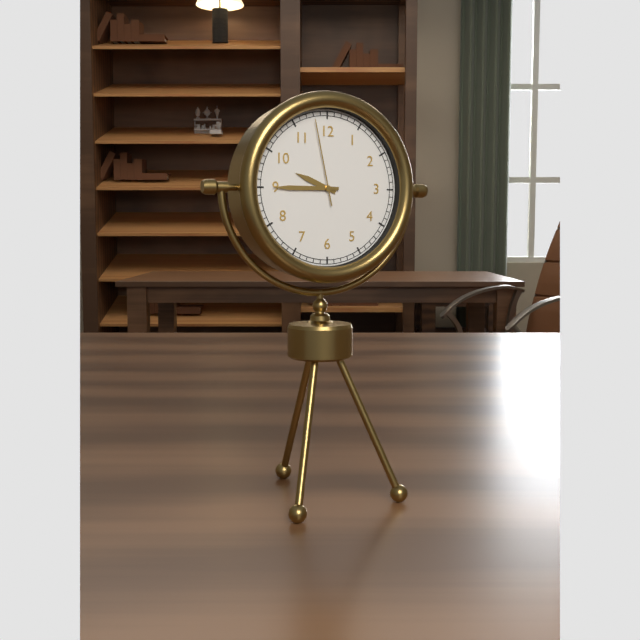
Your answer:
**9:45:58**
